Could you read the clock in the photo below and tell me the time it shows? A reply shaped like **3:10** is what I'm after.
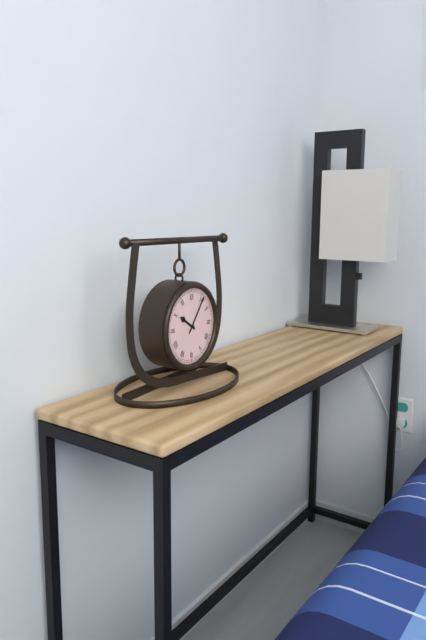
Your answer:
**10:06**
